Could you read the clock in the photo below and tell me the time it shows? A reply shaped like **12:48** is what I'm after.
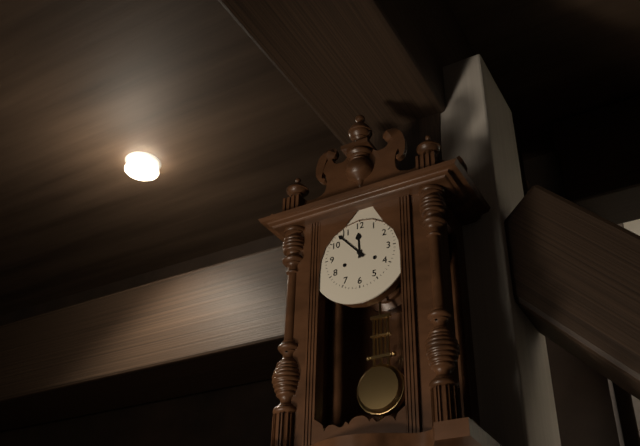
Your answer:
**11:53**
